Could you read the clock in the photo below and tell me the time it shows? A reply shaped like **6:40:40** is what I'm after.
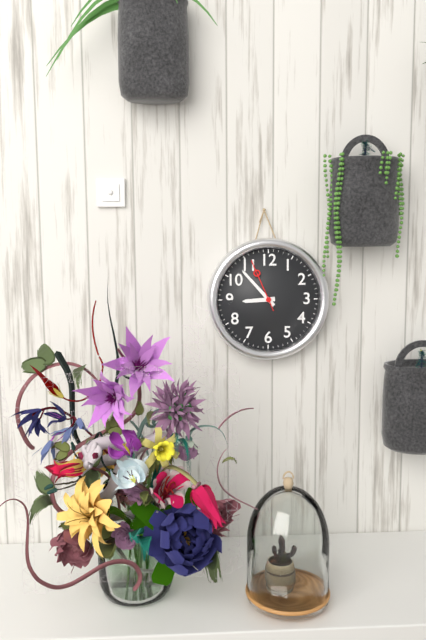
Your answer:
**8:53:56**
